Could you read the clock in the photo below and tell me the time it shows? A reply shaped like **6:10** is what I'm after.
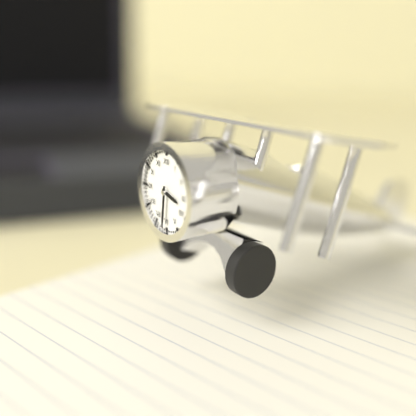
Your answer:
**3:31**
